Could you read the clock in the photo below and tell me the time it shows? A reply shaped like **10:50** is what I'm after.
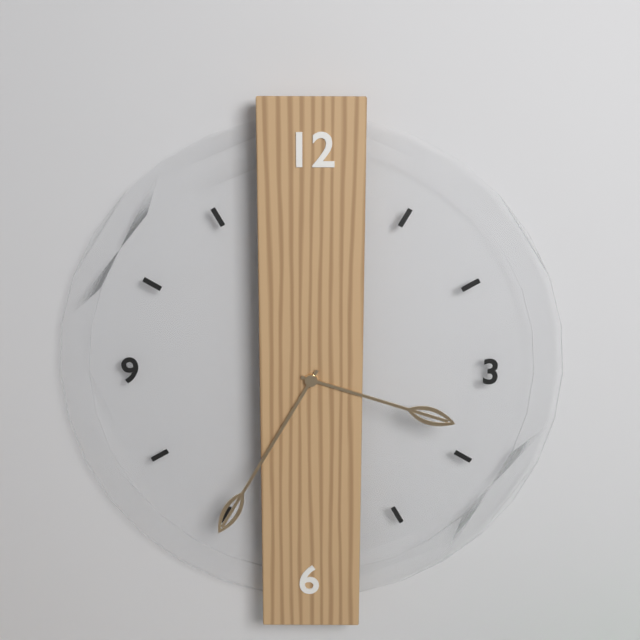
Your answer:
**3:35**
